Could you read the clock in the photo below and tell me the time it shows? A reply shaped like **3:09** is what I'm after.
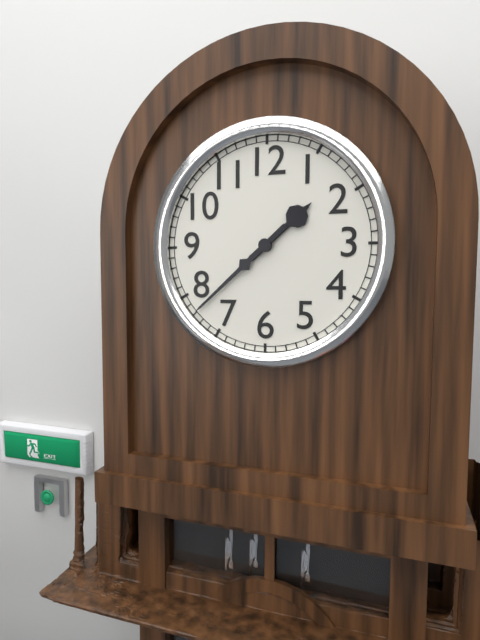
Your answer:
**1:38**
